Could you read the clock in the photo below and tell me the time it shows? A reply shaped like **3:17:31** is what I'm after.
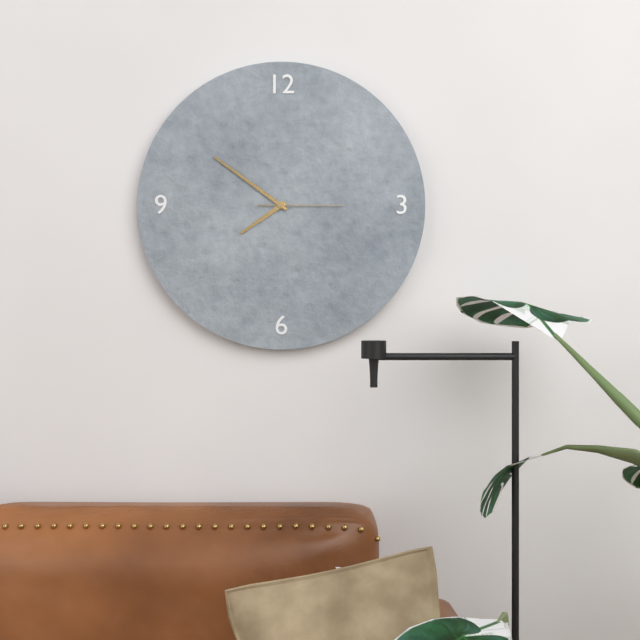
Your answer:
**7:51:15**
